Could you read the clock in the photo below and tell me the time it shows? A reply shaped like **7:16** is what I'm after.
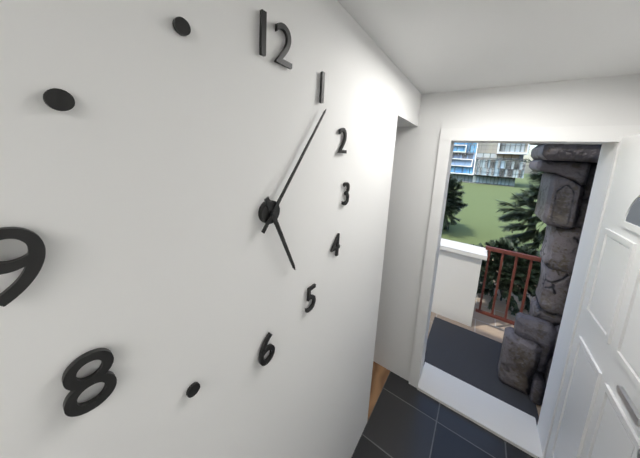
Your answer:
**5:06**
